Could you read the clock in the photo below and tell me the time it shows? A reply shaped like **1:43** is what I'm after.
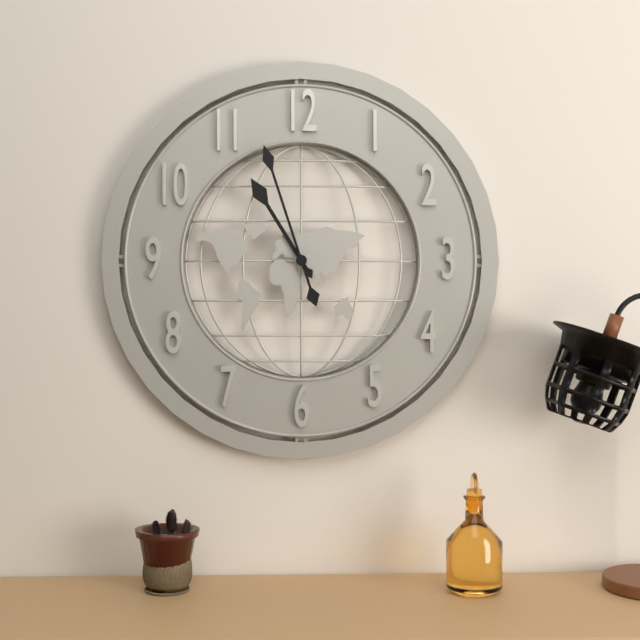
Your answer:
**10:57**
